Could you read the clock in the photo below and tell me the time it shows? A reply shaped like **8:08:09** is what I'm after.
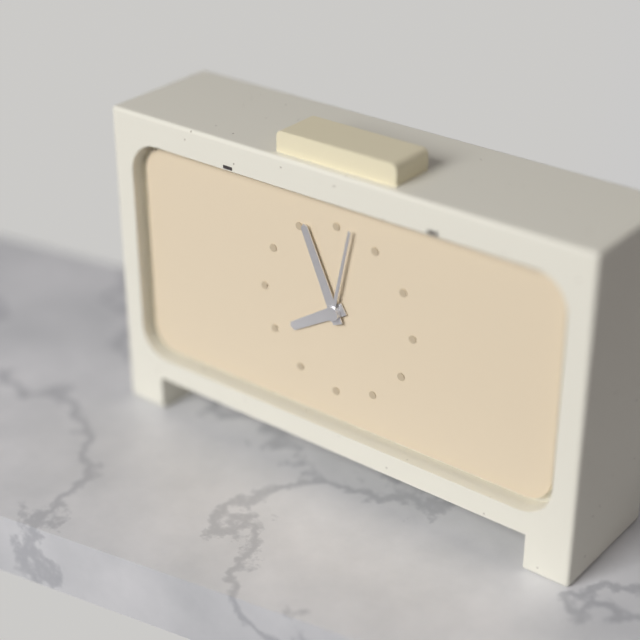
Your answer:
**7:56:02**
